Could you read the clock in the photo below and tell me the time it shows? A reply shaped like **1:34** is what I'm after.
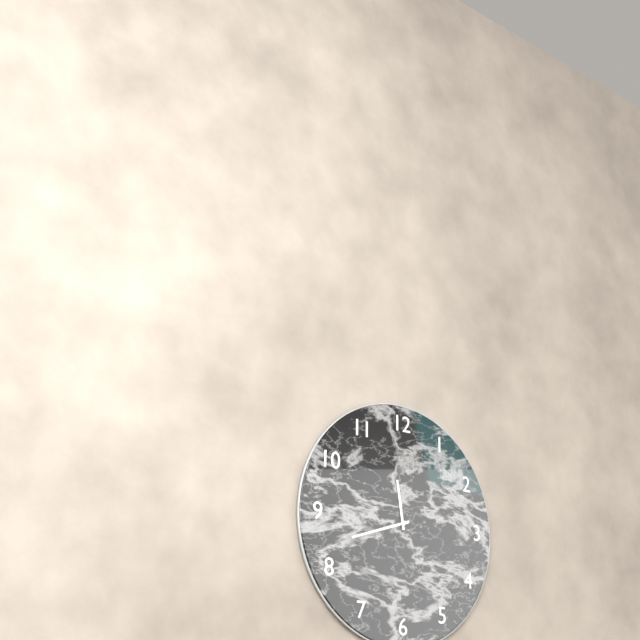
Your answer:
**11:42**
